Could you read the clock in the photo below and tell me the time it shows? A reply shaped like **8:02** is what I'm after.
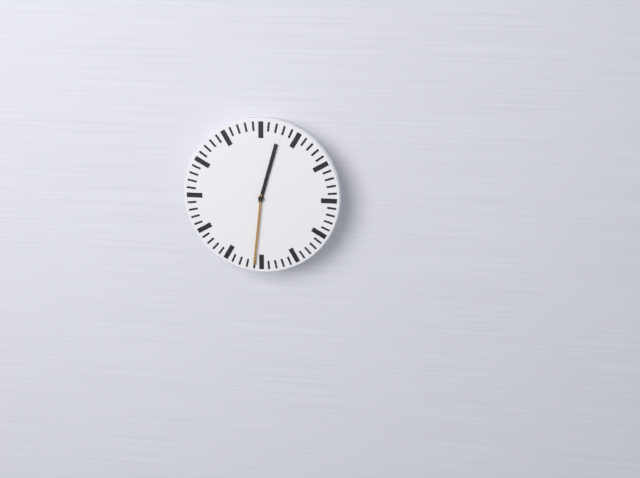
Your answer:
**12:31**
